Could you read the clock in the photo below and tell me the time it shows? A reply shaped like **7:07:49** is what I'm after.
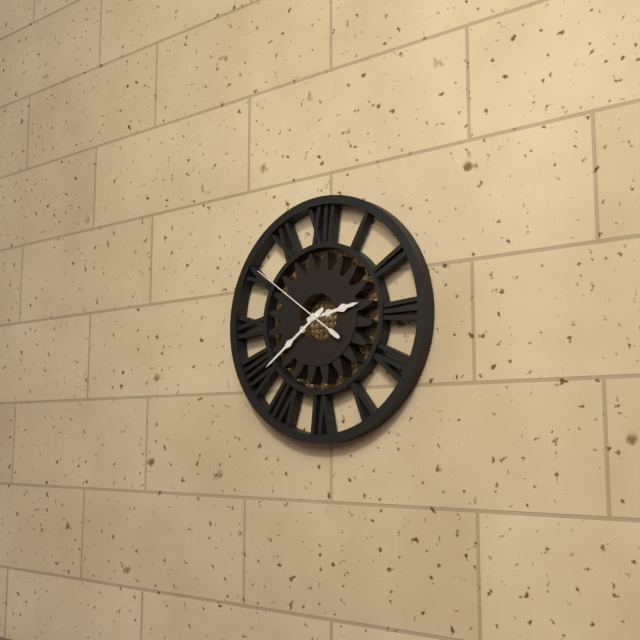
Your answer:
**2:39:51**
